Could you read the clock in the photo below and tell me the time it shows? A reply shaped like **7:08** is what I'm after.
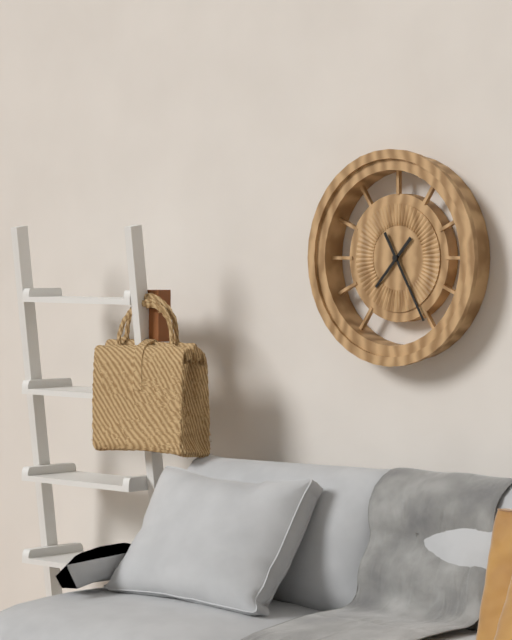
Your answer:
**7:25**
